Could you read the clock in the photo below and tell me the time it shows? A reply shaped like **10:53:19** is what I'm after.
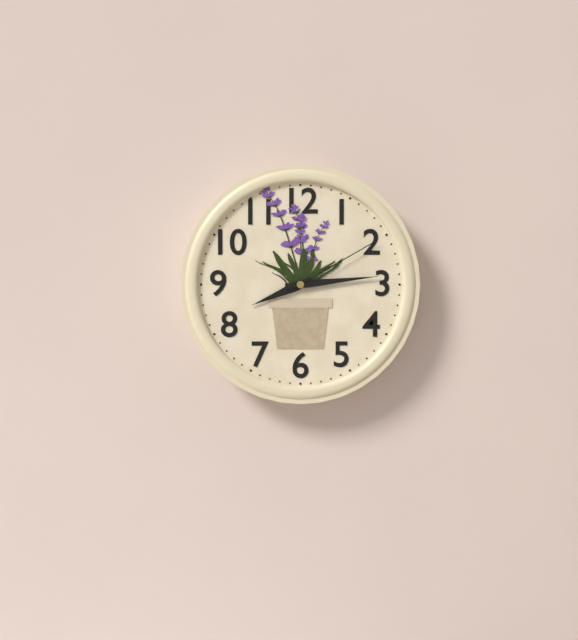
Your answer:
**8:14:10**
